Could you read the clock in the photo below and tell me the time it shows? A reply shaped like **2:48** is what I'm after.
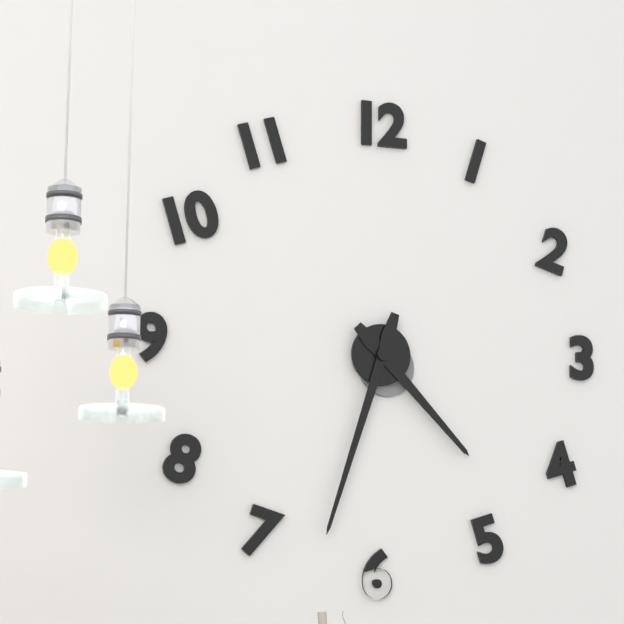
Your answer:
**4:33**
